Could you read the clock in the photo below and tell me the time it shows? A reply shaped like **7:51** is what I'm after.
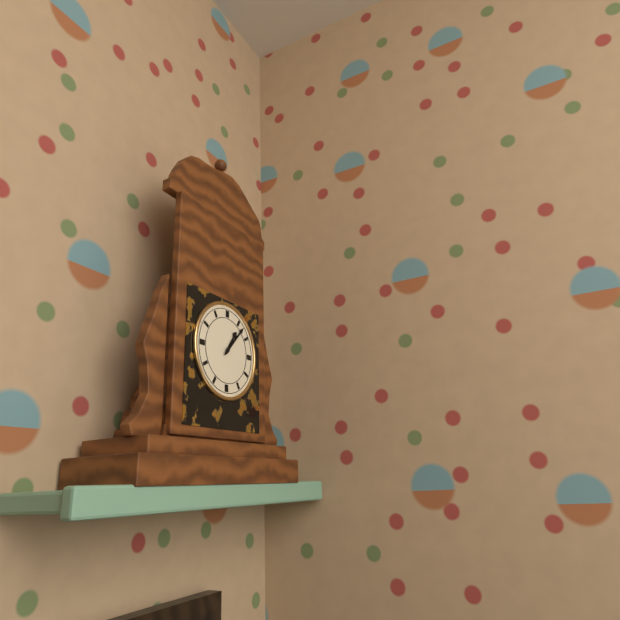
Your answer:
**1:07**
